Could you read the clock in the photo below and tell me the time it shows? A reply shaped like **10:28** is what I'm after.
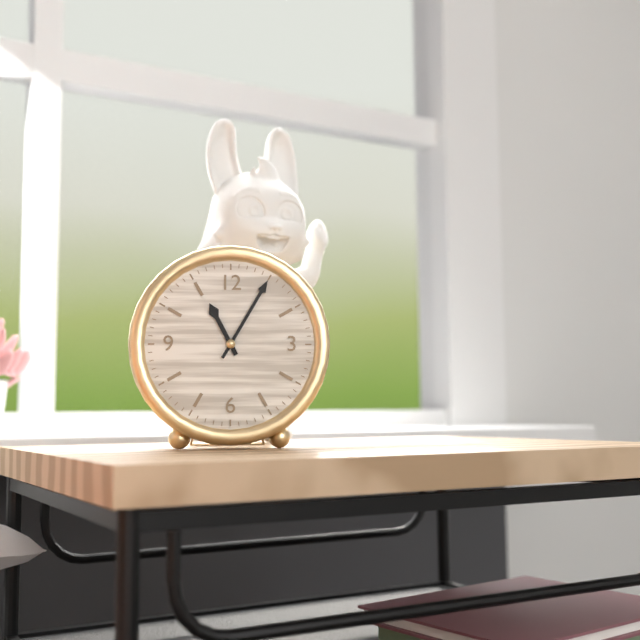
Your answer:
**11:05**
